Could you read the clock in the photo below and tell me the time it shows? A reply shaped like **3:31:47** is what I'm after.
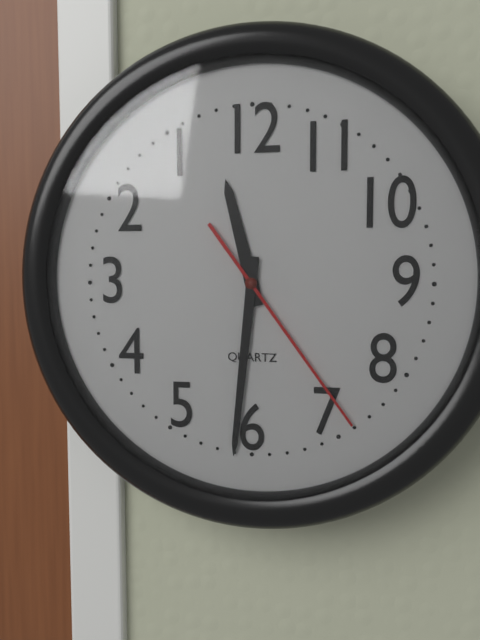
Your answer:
**11:31:24**
